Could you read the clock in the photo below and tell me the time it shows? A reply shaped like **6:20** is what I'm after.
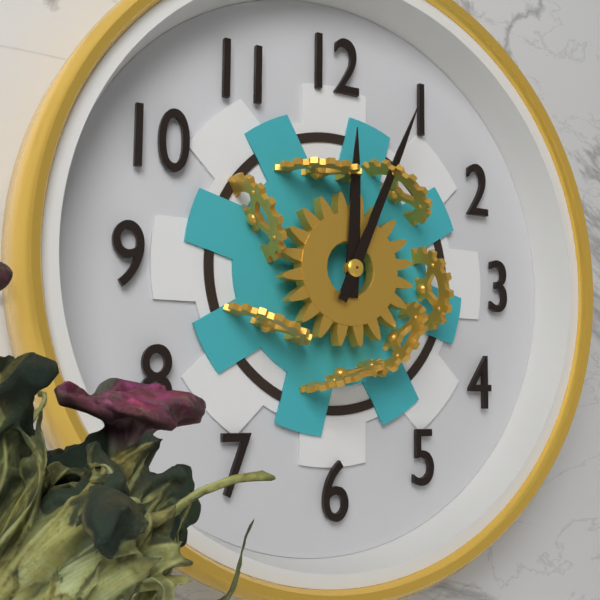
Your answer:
**12:04**
